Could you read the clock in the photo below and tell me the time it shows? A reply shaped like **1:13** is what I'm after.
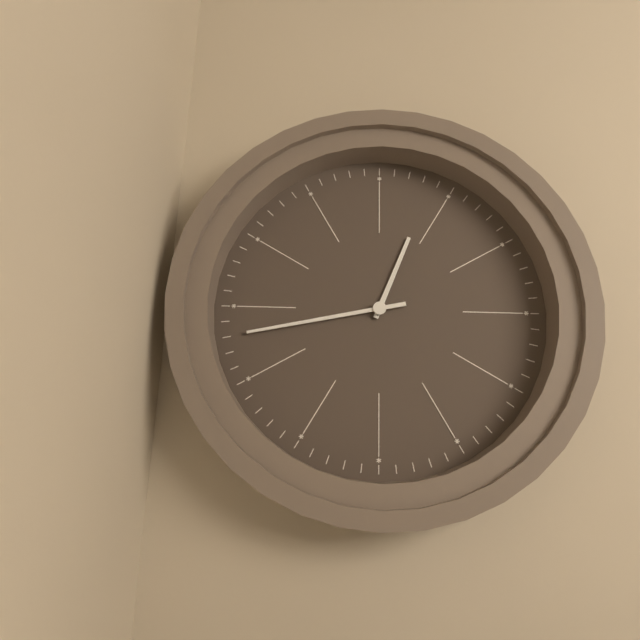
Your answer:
**12:43**
